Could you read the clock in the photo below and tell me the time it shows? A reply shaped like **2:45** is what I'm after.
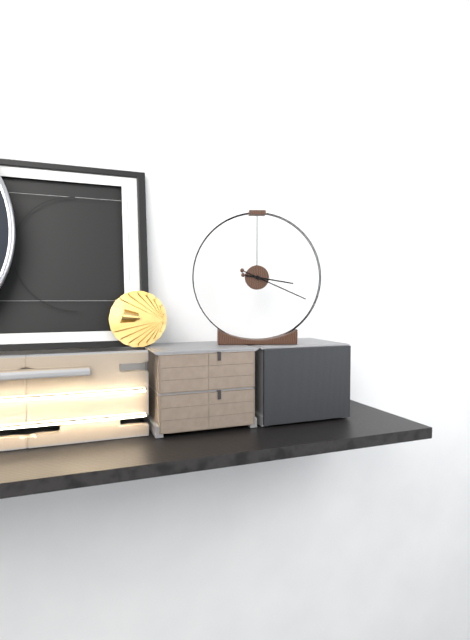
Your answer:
**3:19**
